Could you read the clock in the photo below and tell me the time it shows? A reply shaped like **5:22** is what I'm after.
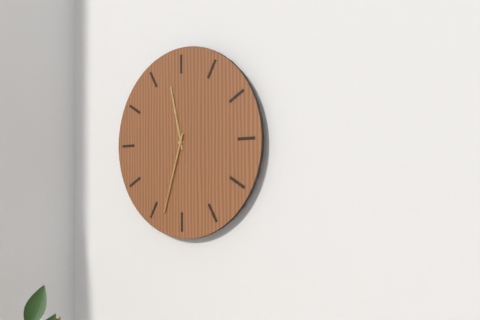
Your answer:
**11:33**
